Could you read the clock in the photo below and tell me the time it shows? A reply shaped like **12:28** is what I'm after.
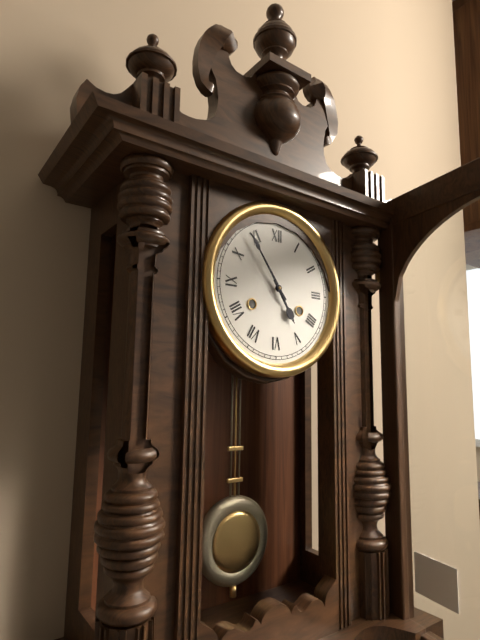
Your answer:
**4:54**
